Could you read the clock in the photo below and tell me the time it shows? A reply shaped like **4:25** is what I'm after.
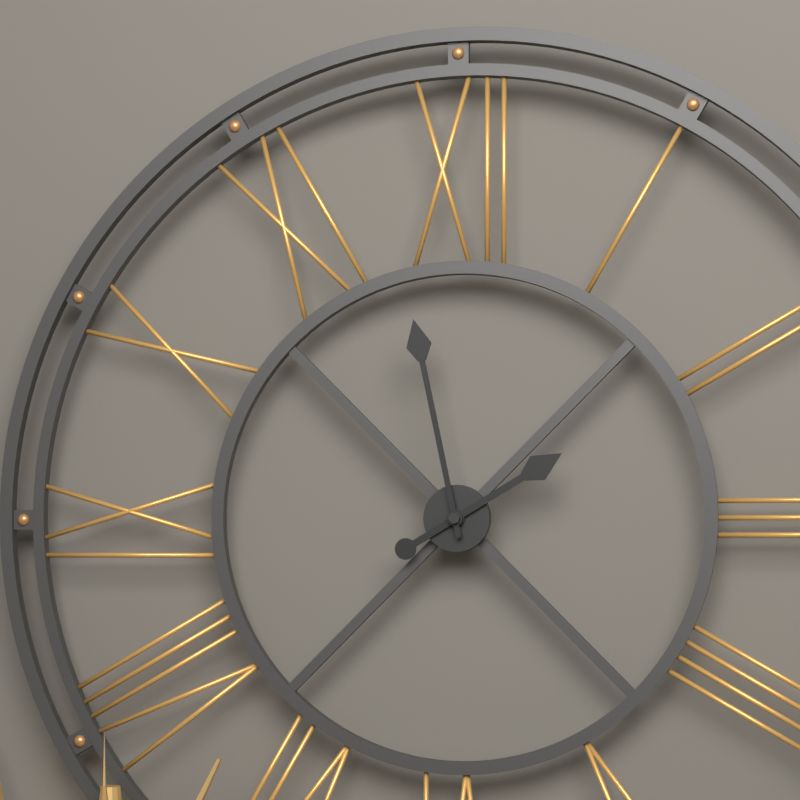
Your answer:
**1:58**
